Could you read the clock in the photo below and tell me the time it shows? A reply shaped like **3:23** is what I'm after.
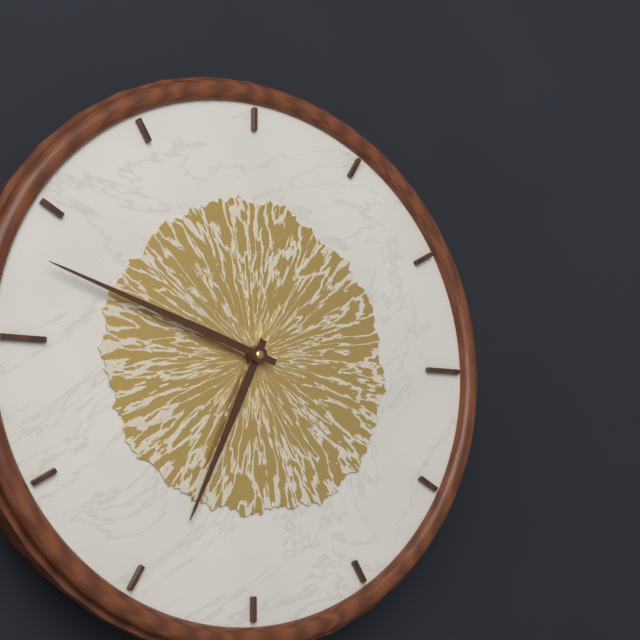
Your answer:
**6:48**
